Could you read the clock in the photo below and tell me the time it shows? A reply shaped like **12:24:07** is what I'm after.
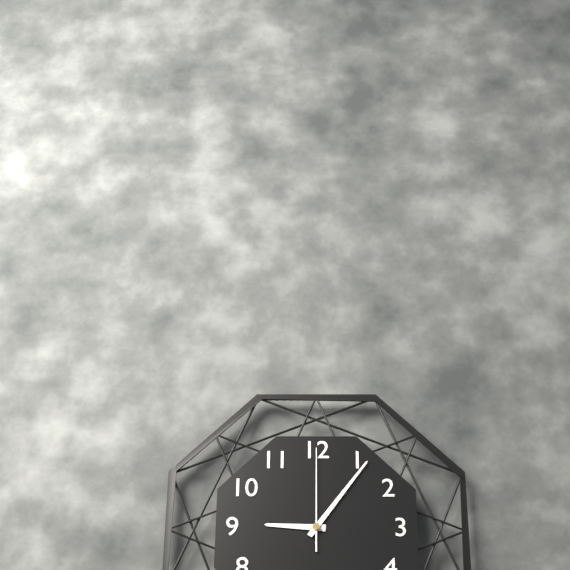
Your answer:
**9:06:00**
